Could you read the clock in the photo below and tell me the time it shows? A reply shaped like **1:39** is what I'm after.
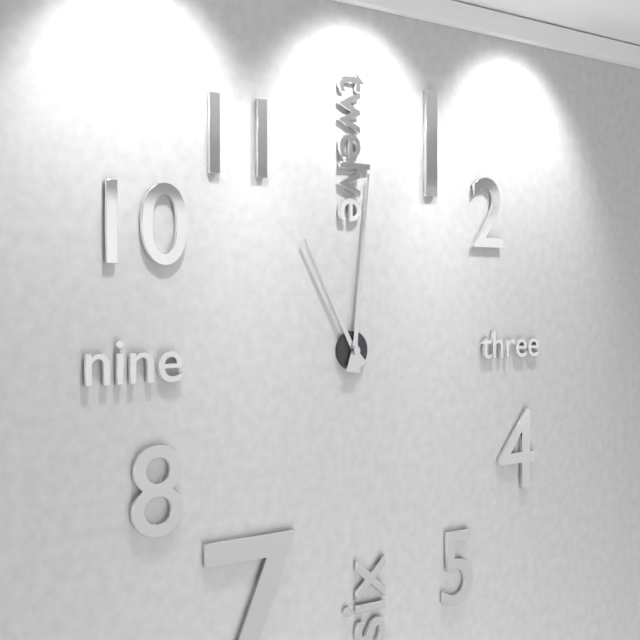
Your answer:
**11:01**
